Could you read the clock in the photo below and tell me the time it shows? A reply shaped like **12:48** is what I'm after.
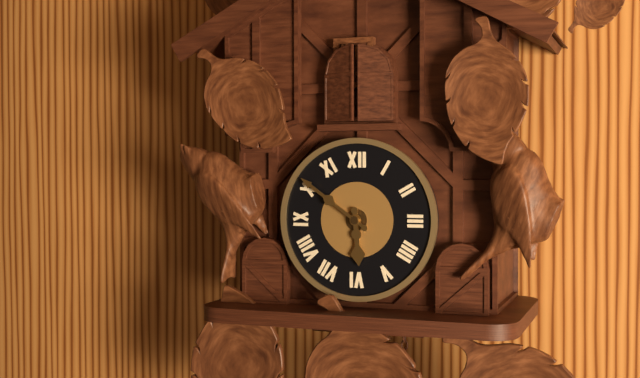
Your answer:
**5:51**
